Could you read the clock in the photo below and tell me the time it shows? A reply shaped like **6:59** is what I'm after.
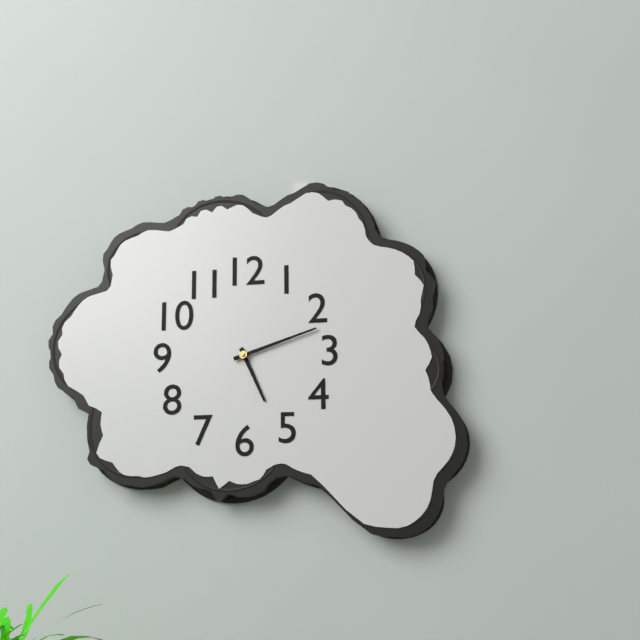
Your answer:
**5:12**
